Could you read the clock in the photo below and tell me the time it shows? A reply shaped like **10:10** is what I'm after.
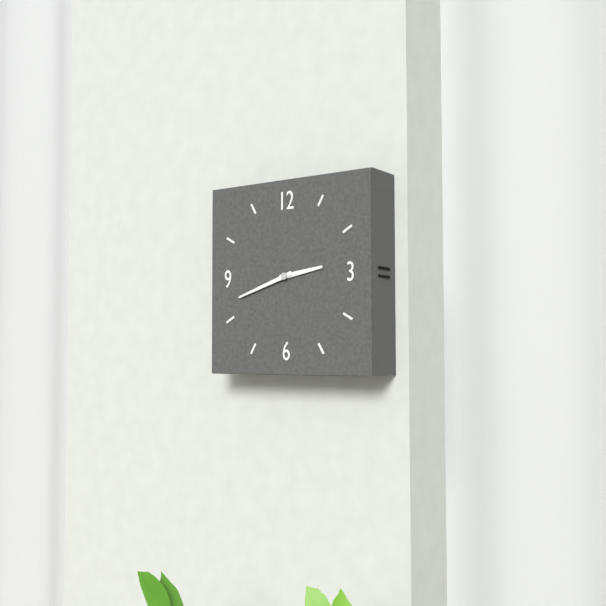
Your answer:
**2:42**
